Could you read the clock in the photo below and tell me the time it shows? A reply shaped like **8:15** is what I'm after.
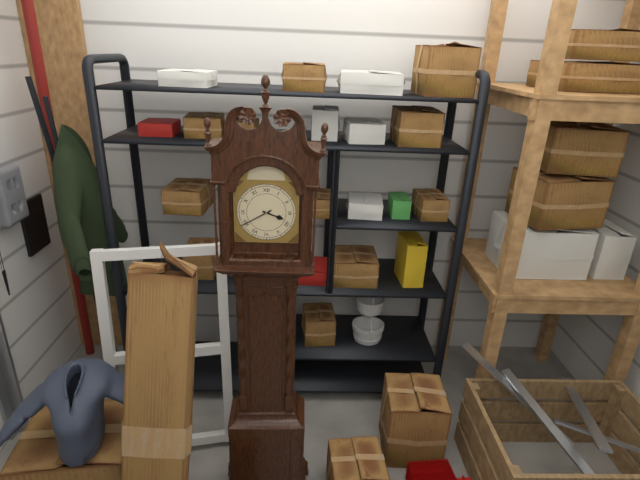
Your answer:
**3:40**
